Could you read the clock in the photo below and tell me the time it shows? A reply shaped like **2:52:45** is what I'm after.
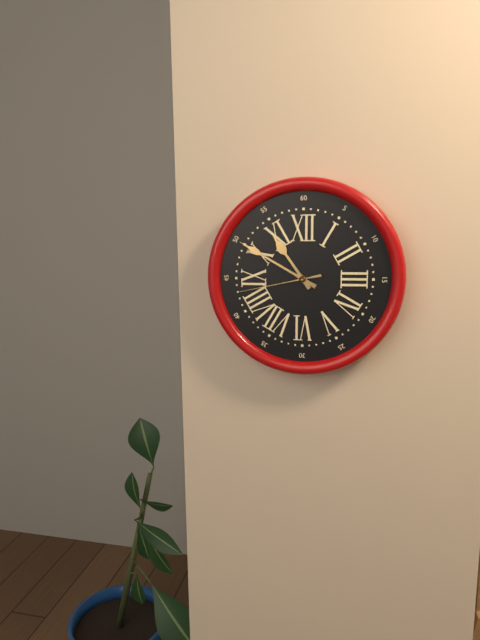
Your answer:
**10:50:43**
